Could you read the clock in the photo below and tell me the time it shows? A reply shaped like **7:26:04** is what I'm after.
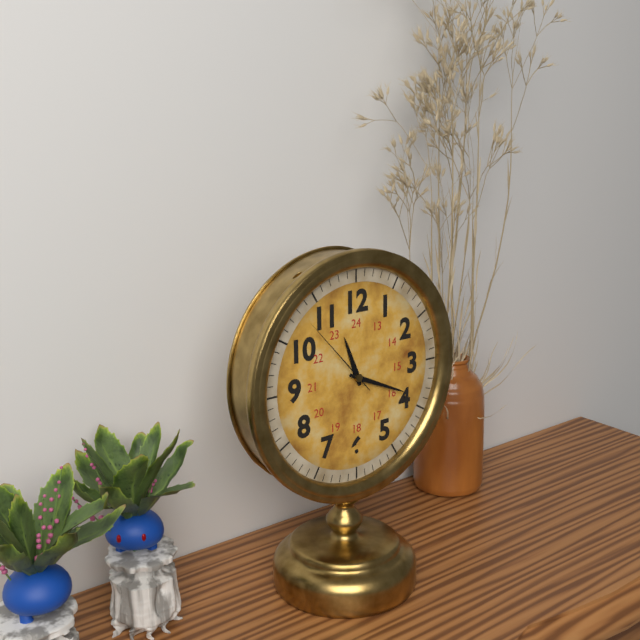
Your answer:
**11:19:53**
